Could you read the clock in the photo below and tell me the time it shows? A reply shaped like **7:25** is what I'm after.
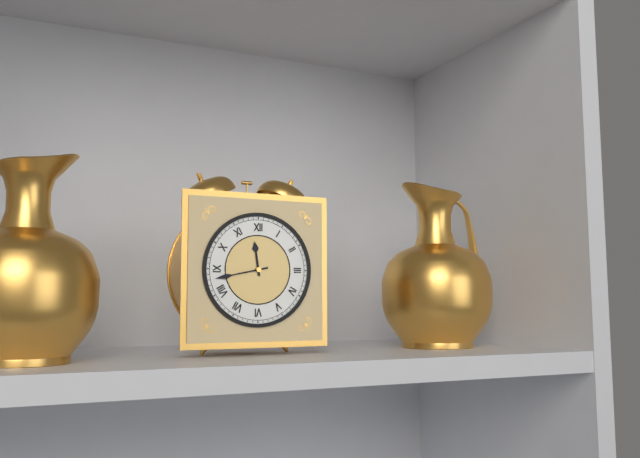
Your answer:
**11:43**
